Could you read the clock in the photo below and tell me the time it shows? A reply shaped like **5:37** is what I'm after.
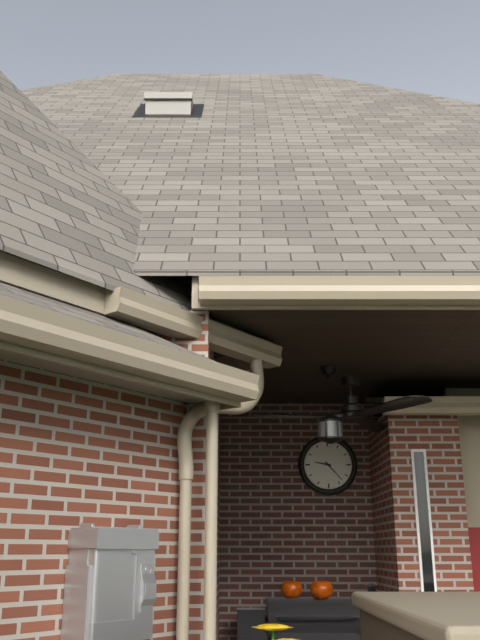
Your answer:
**9:23**
